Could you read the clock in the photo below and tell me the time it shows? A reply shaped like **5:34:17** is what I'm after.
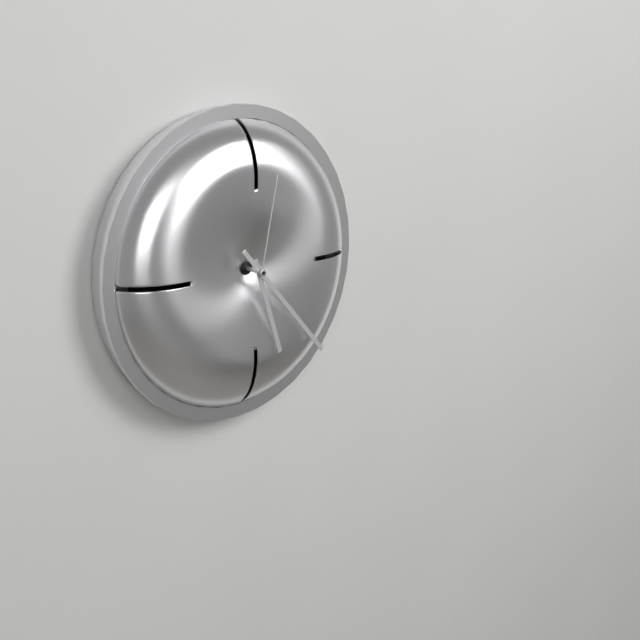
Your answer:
**5:23:02**
